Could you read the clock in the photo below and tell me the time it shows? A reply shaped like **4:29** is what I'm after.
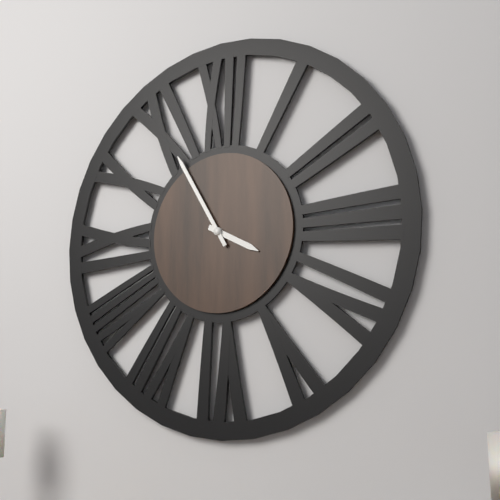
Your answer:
**3:55**
